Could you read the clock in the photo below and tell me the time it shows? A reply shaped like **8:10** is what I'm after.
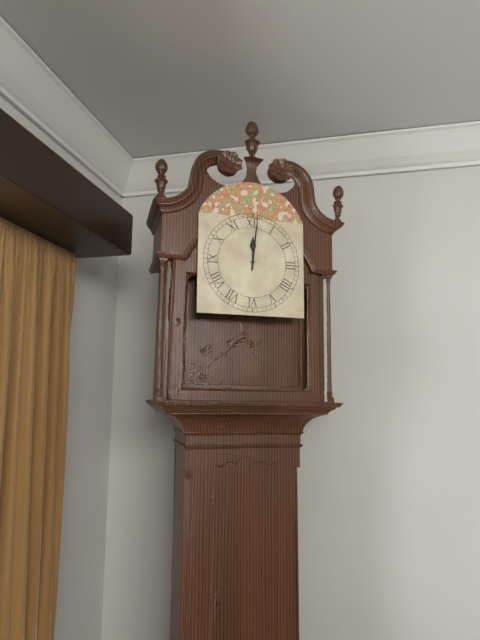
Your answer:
**12:01**
